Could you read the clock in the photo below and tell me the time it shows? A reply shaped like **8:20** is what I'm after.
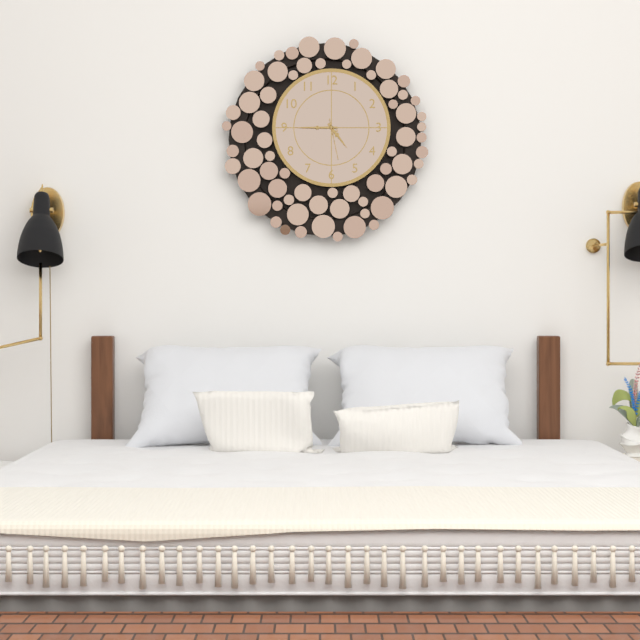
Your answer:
**4:45**
